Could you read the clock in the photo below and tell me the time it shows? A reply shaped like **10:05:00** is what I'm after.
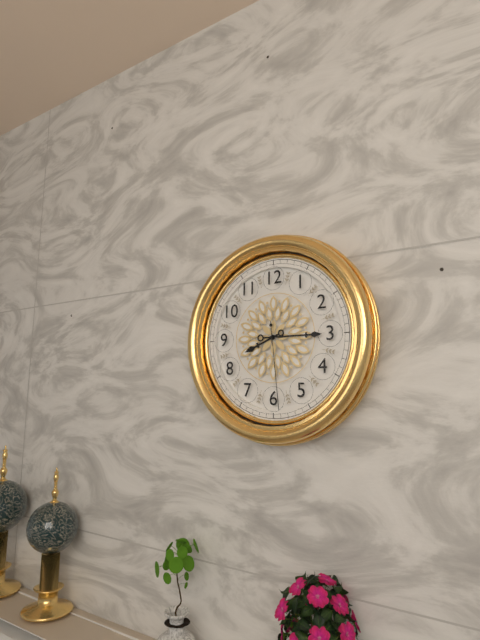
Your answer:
**8:15:29**
